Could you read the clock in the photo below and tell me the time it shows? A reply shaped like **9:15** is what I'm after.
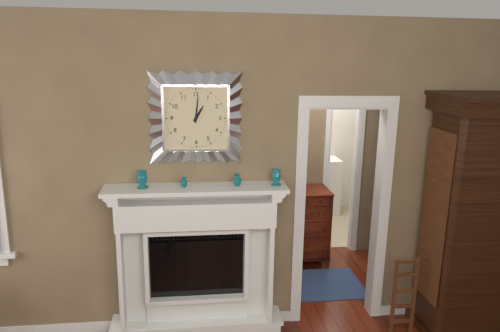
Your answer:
**1:01**
